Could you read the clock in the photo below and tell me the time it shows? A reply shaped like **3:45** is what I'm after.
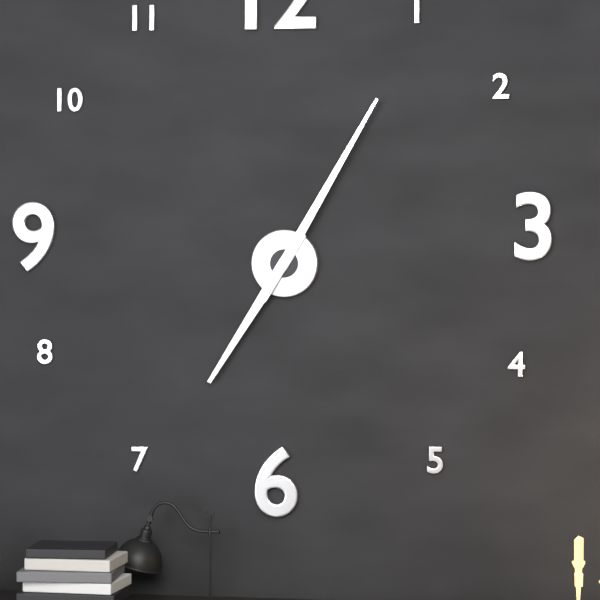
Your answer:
**7:05**
